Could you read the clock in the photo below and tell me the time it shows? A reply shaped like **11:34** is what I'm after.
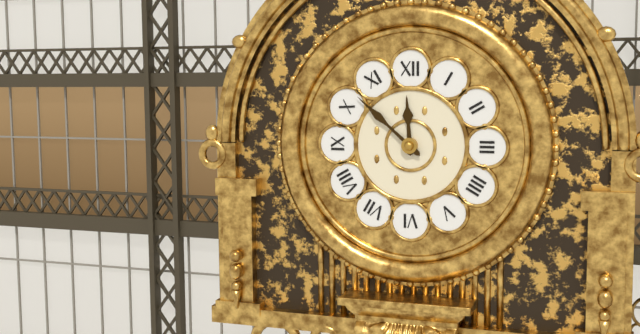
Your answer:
**11:52**
